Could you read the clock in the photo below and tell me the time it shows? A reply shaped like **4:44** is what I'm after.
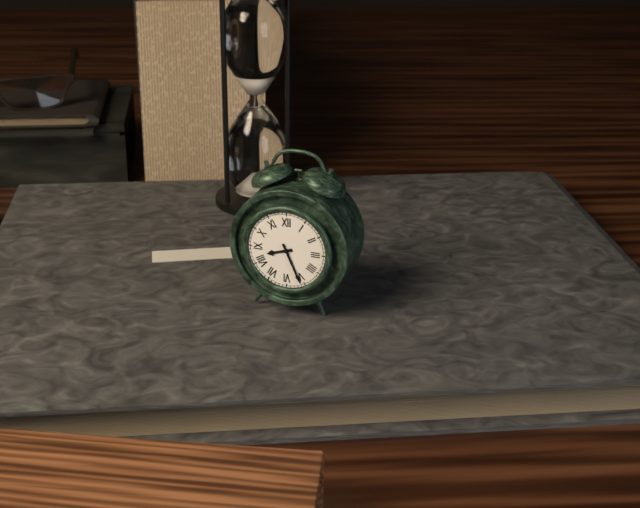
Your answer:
**8:26**
